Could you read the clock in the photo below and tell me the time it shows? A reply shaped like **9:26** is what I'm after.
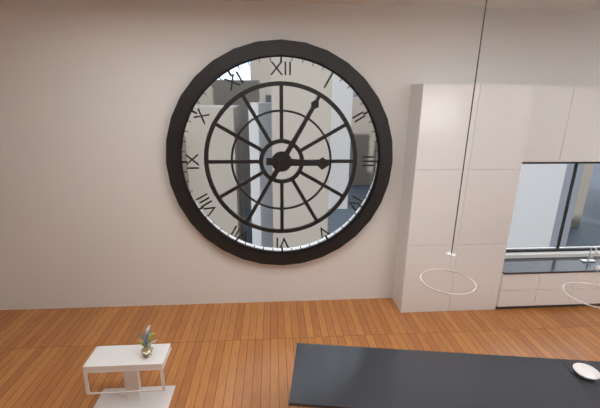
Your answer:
**3:05**
